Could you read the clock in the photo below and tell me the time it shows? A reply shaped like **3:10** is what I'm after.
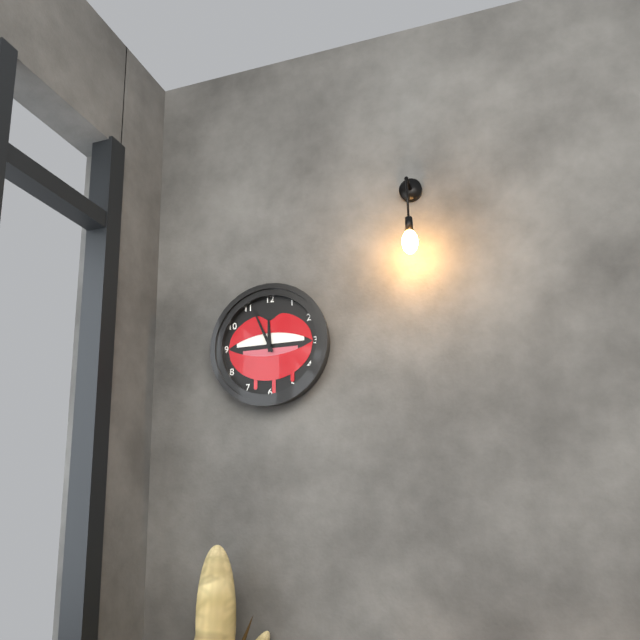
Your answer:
**11:56**
